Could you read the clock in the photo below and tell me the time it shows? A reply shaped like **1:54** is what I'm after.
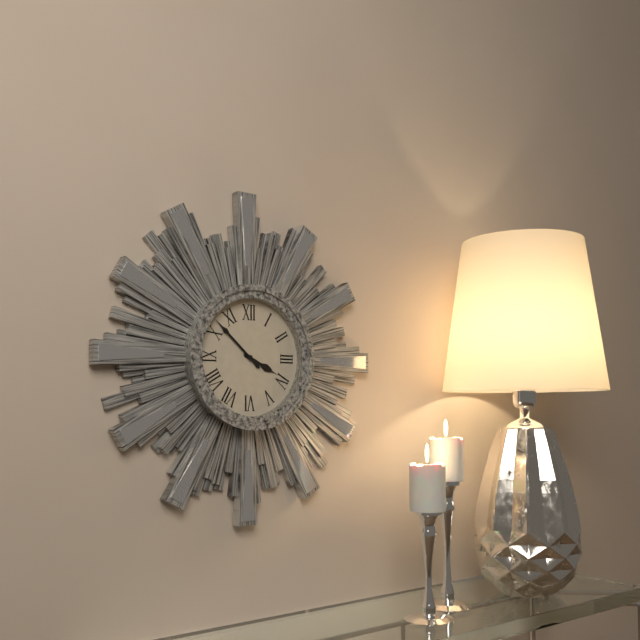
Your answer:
**3:52**
